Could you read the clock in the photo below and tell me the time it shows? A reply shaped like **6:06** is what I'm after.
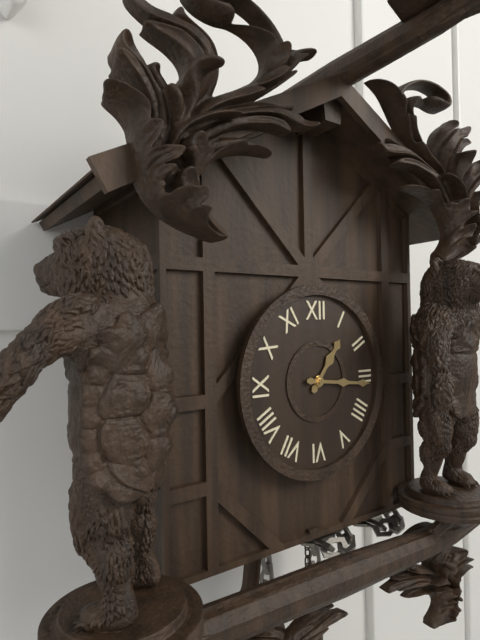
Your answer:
**1:16**
